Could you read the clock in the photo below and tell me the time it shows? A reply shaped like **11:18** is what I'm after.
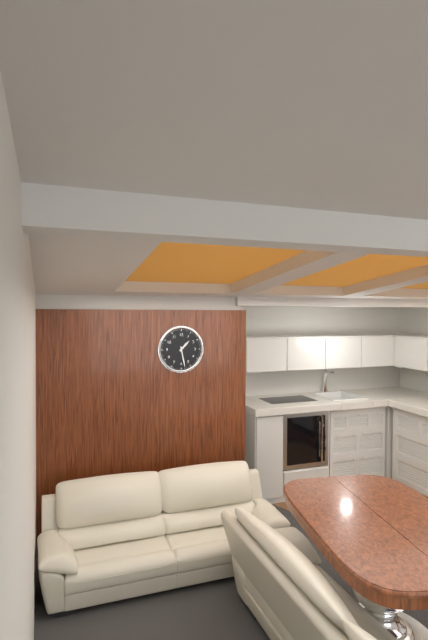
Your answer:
**1:28**
